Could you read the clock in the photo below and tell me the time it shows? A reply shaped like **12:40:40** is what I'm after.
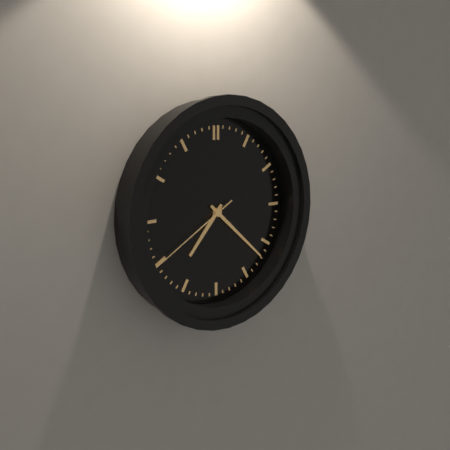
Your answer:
**7:22:40**
